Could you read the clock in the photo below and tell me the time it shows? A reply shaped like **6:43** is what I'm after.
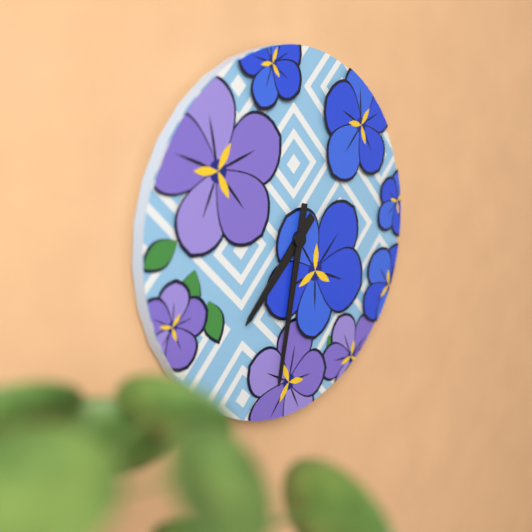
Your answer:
**7:32**
